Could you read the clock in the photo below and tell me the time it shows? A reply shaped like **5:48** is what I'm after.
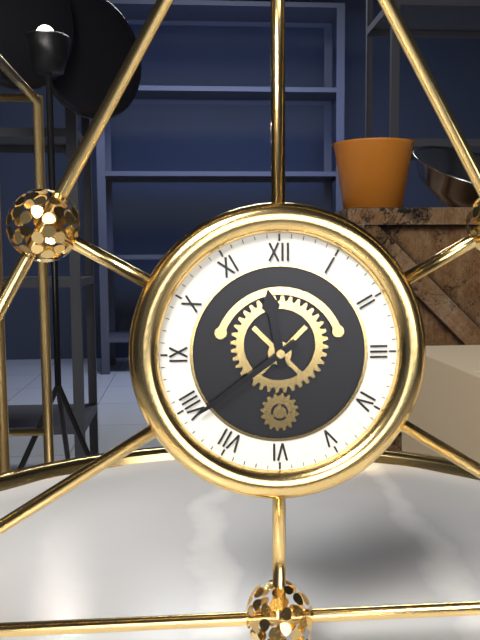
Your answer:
**11:39**
